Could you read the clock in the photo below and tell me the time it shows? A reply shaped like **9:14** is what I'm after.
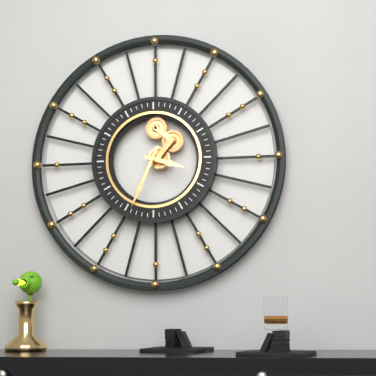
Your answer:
**3:34**
